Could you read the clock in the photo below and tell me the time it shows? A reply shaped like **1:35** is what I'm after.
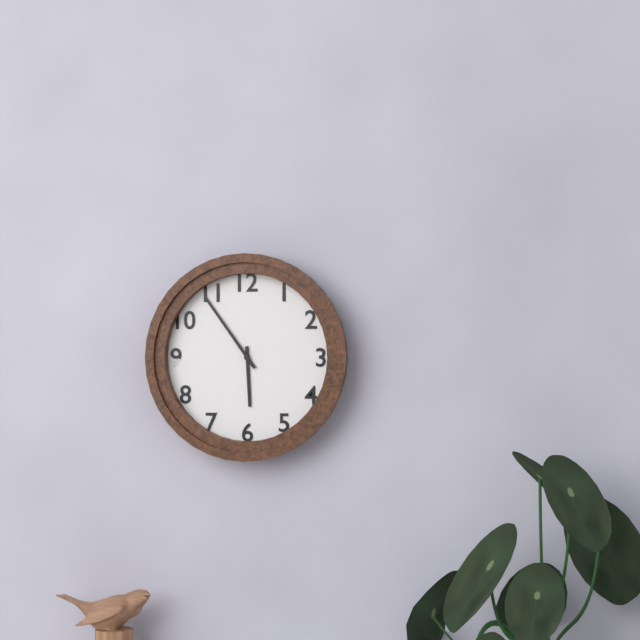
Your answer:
**5:54**
